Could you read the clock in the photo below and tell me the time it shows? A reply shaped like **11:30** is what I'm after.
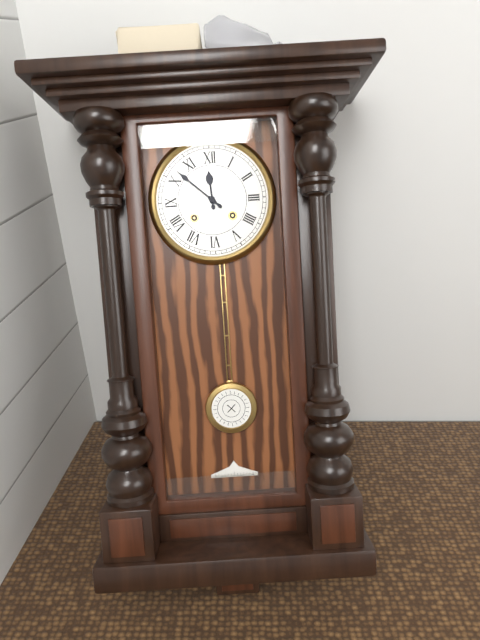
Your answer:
**11:52**
